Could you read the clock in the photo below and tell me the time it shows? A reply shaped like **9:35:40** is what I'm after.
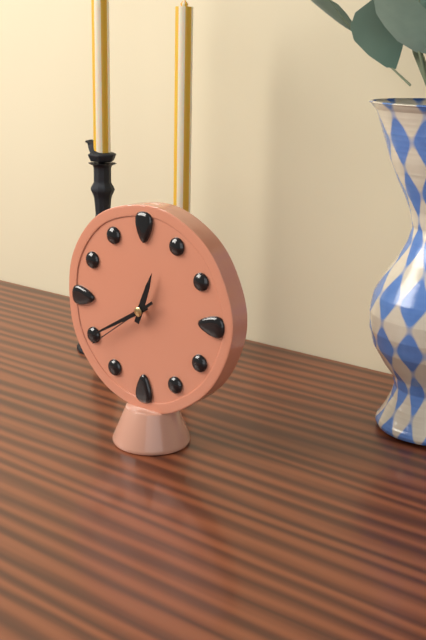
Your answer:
**12:40:39**
